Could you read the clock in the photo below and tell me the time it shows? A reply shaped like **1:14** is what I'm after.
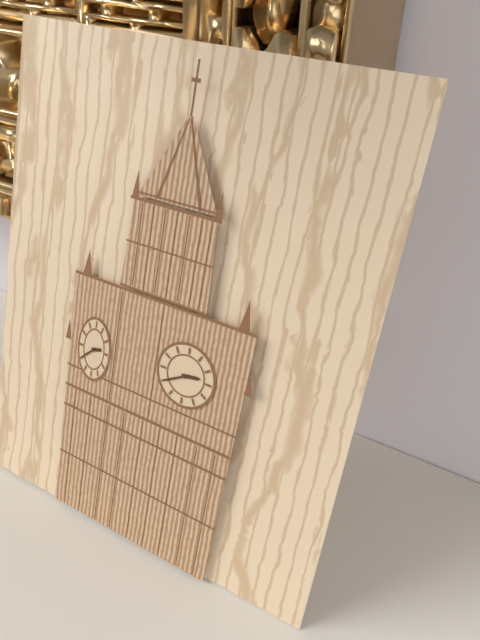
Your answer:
**2:40**
